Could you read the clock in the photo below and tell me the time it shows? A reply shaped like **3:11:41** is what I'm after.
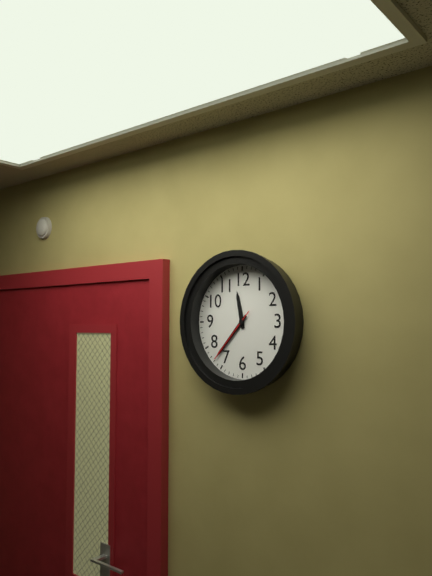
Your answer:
**11:37:37**
